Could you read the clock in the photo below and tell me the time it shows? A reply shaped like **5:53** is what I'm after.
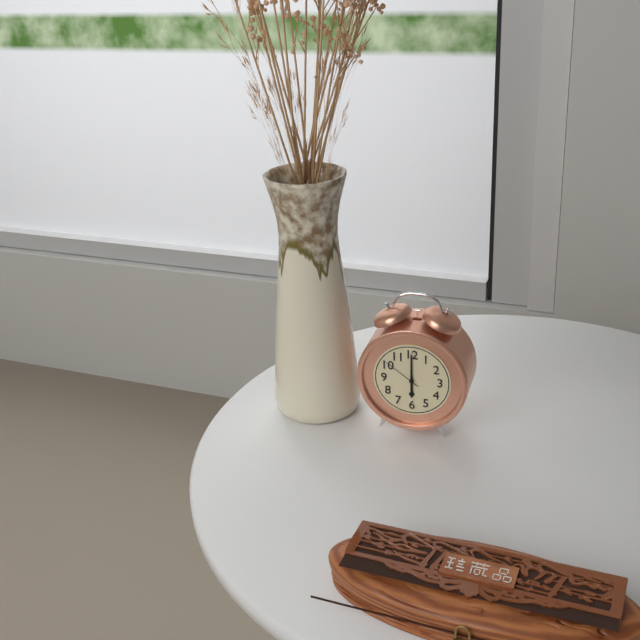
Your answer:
**6:00**
